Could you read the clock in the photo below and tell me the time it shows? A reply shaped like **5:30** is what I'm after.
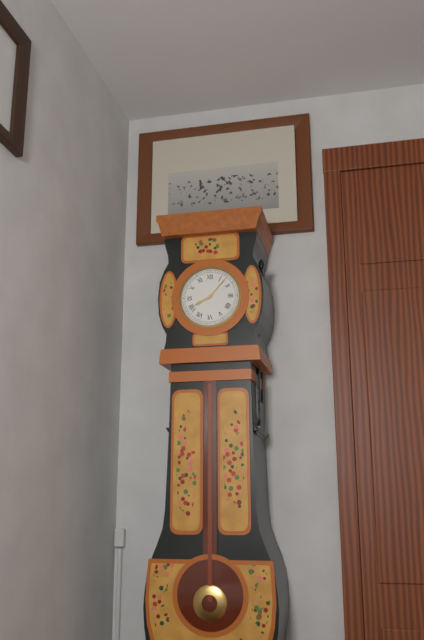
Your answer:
**8:07**
